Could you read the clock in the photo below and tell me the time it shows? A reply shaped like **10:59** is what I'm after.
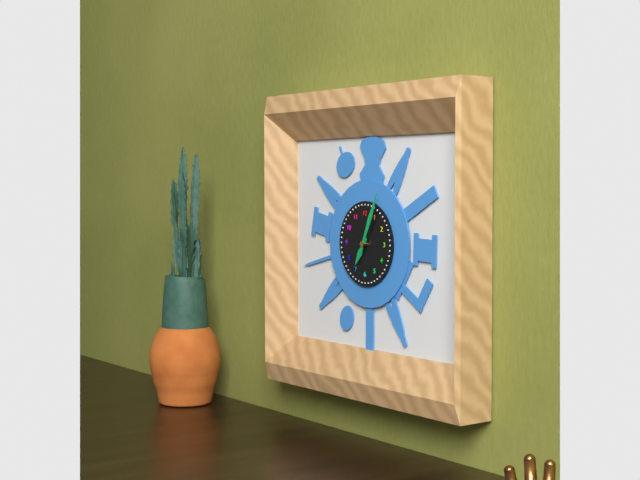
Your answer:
**7:04**
